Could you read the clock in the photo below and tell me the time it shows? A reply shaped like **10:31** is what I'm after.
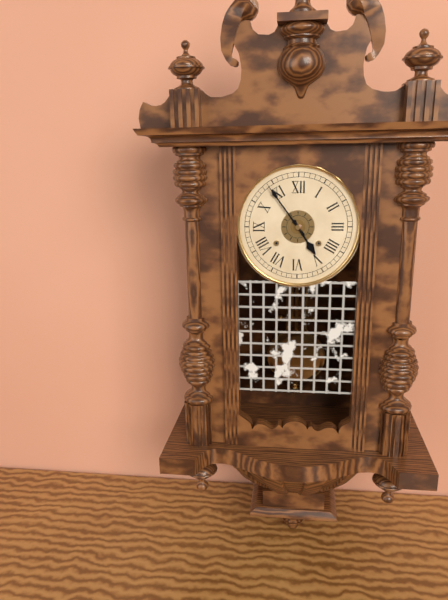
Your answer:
**4:54**
